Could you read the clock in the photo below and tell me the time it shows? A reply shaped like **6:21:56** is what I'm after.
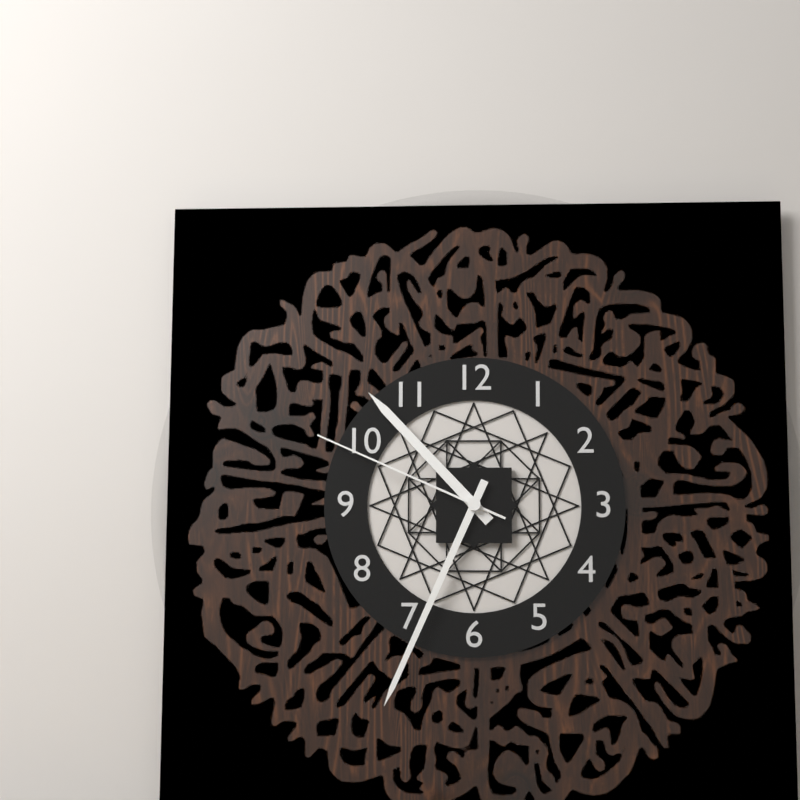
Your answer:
**10:34:49**
